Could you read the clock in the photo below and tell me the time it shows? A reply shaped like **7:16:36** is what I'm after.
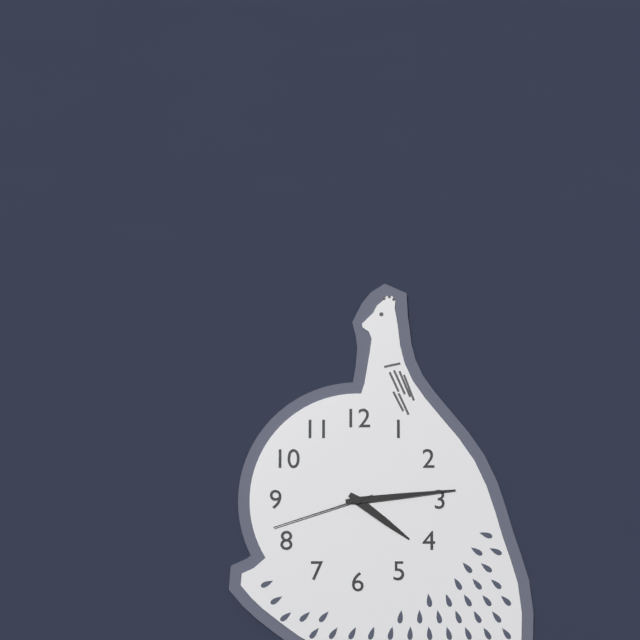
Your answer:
**4:14:42**
